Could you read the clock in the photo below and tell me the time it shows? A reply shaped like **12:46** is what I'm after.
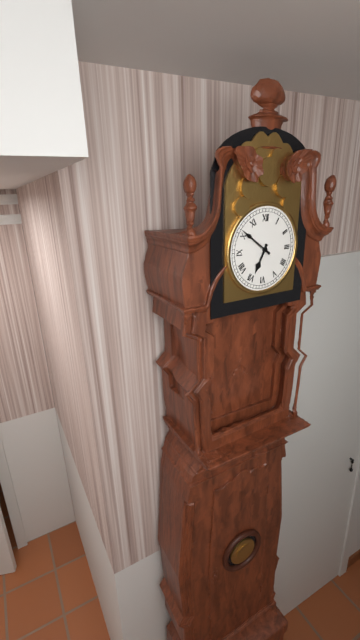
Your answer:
**6:51**
